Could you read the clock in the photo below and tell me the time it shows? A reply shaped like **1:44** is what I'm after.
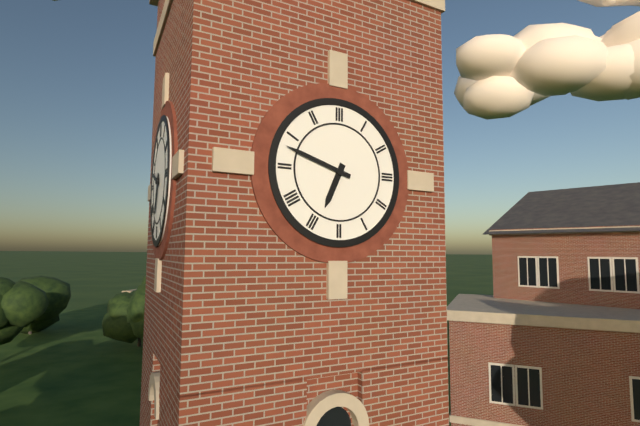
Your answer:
**6:48**
